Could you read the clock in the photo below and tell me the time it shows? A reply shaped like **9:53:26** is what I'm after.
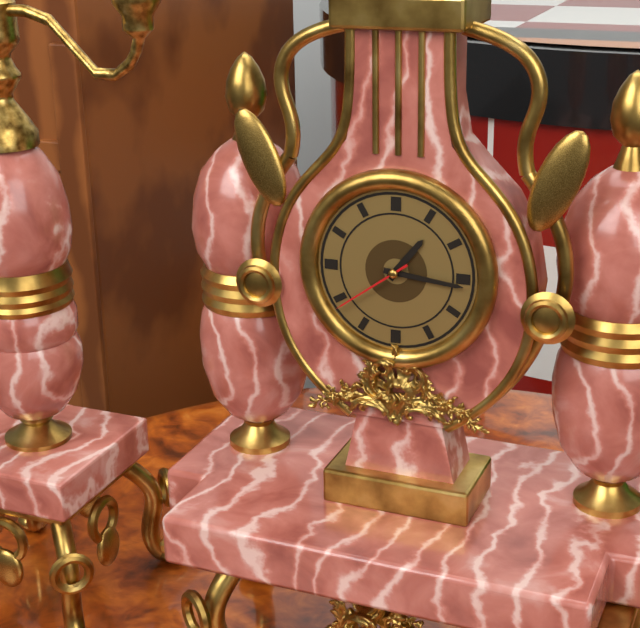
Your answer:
**1:16:39**
